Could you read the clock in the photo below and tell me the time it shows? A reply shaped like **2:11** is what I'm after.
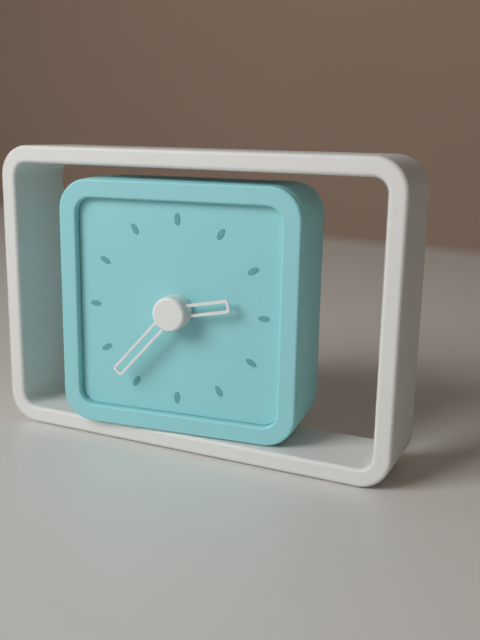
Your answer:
**2:37**
